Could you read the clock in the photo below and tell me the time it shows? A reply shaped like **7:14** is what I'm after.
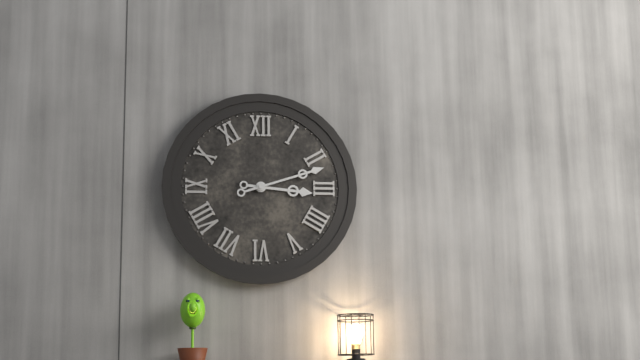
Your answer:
**3:12**
